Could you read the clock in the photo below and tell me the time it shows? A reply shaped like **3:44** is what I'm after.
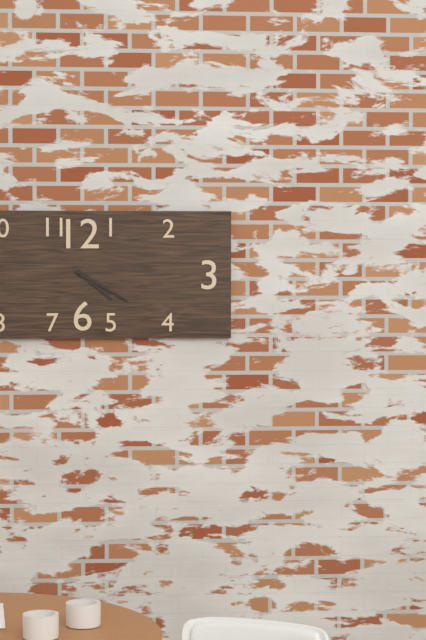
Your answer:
**4:20**
